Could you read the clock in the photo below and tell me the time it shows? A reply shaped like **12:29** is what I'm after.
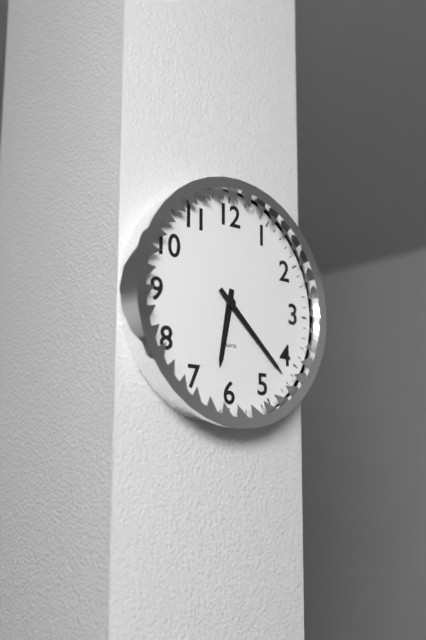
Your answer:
**6:22**
